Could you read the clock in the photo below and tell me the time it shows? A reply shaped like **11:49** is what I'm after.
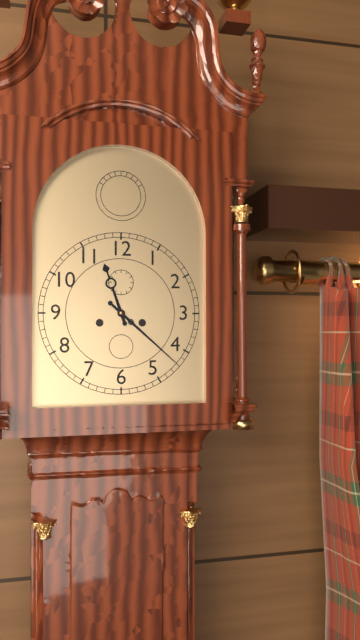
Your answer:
**11:22**
